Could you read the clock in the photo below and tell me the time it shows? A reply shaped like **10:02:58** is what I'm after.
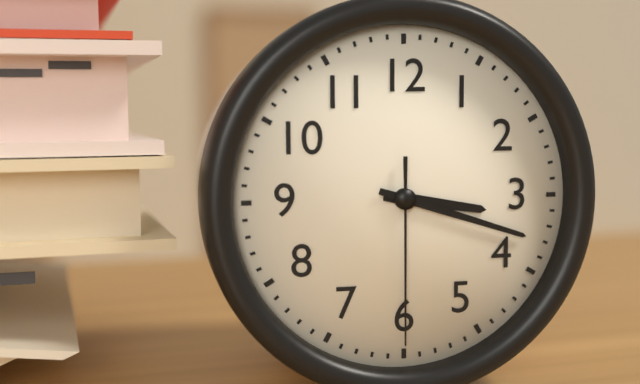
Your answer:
**3:18:30**
